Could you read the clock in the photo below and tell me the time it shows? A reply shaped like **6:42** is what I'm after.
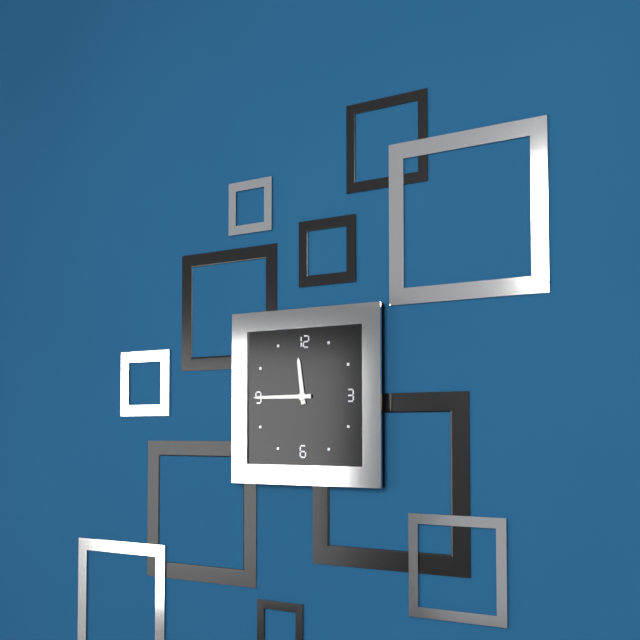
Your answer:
**11:45**
